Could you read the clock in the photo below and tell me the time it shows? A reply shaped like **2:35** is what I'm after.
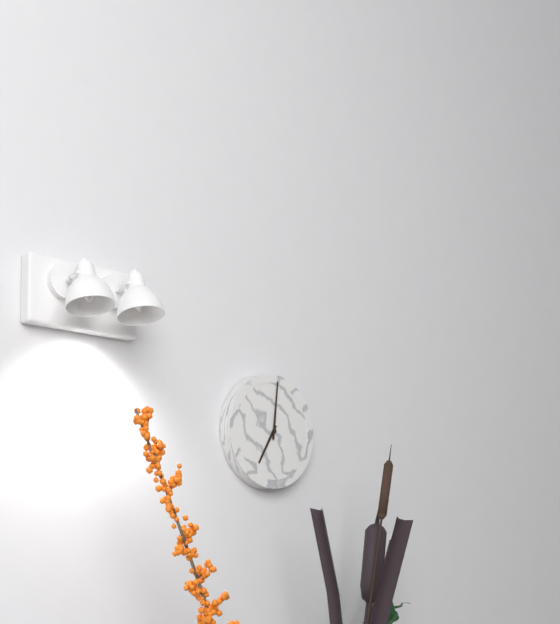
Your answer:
**7:01**
